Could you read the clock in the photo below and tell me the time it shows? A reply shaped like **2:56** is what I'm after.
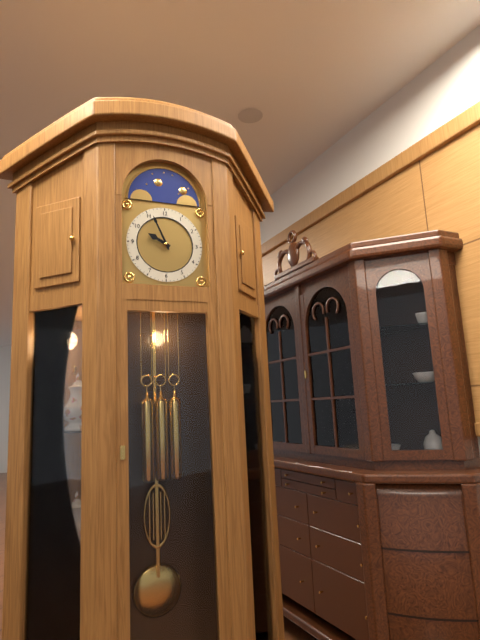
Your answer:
**9:56**
